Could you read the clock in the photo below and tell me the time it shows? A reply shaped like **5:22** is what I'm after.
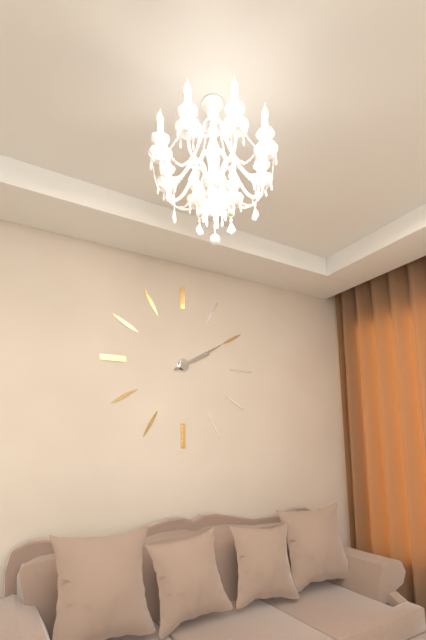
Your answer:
**2:10**
